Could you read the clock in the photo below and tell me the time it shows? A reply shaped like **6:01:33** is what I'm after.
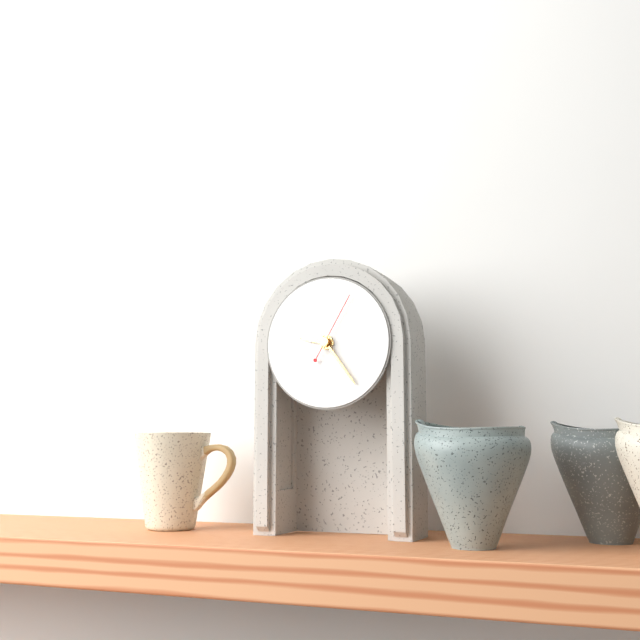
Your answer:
**9:24:05**
